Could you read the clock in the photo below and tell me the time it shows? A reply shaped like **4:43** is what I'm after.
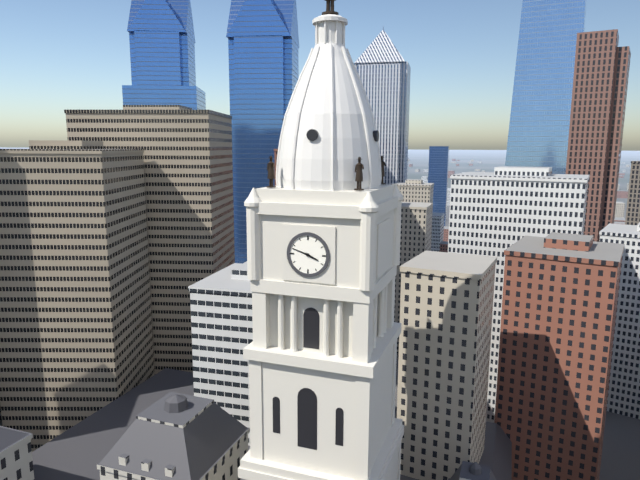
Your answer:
**3:48**
